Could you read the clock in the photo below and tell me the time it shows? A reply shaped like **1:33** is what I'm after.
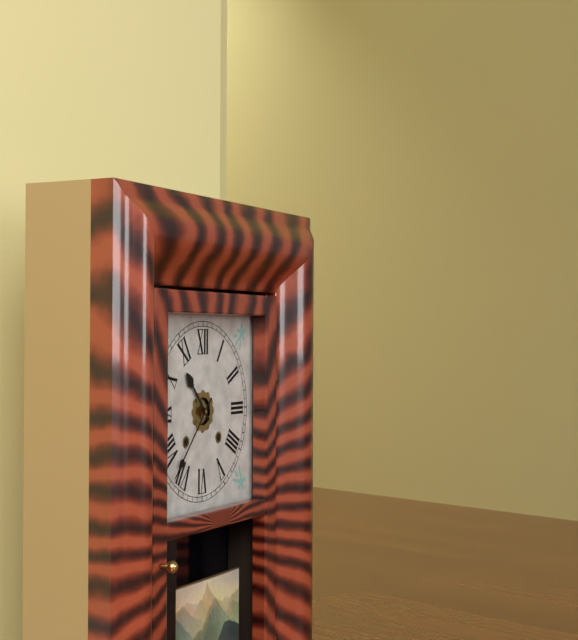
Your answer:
**10:37**
